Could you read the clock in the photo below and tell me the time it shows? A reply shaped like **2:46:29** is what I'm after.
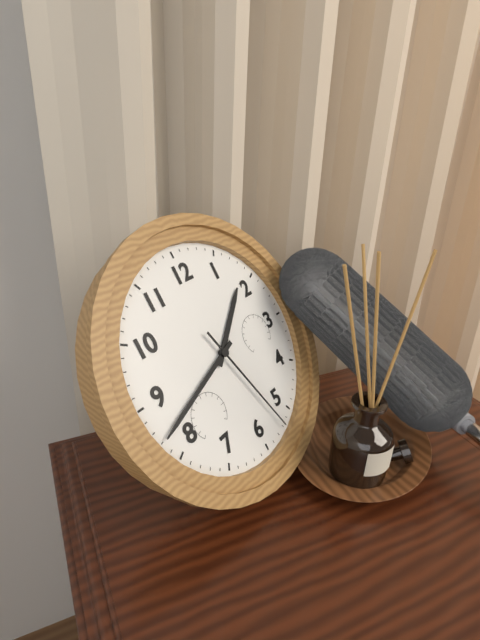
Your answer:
**1:42:27**
